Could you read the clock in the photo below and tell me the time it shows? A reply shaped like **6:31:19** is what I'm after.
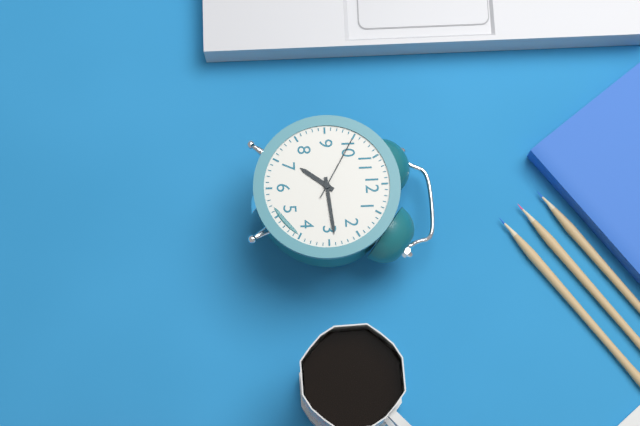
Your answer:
**7:14:50**
